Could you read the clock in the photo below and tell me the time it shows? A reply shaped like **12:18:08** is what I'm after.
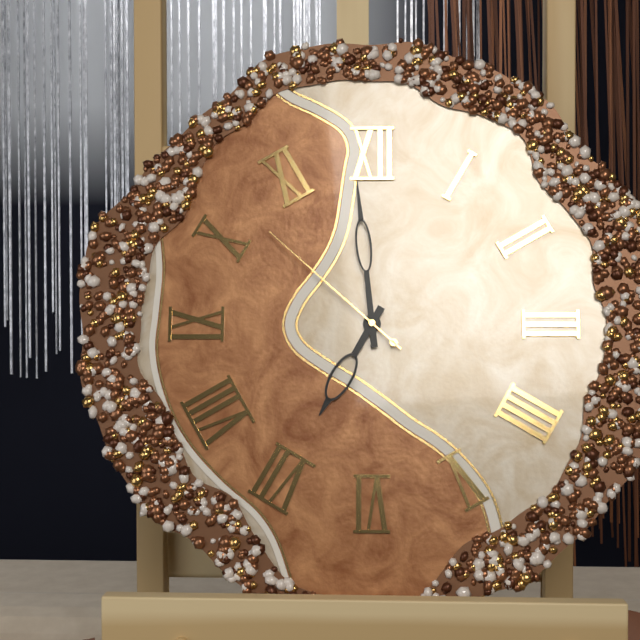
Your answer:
**6:59:52**
